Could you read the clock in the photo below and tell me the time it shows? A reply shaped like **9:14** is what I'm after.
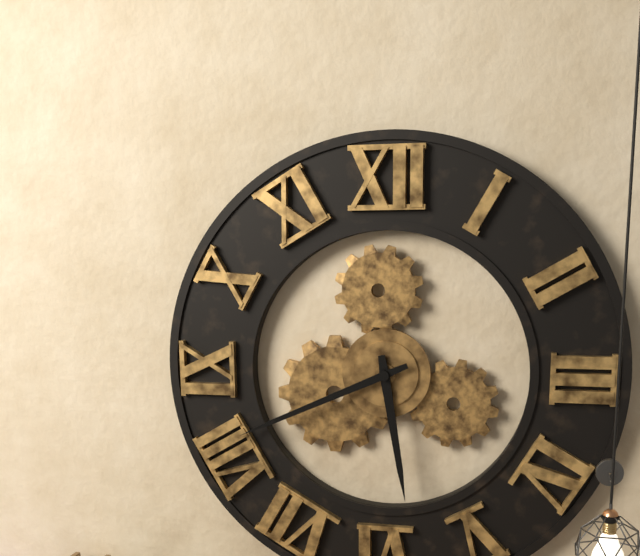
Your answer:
**5:41**
